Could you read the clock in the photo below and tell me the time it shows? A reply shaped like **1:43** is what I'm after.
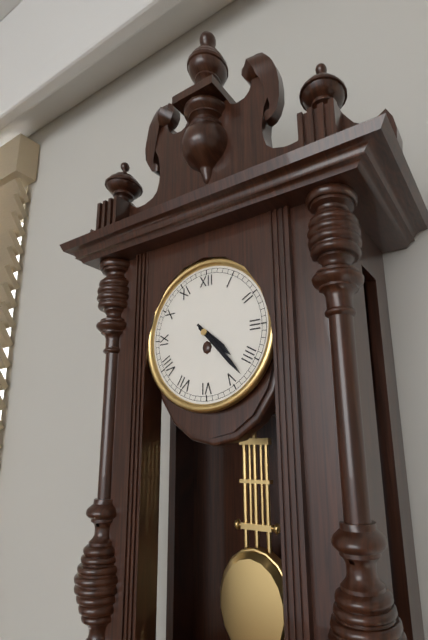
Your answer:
**4:23**
